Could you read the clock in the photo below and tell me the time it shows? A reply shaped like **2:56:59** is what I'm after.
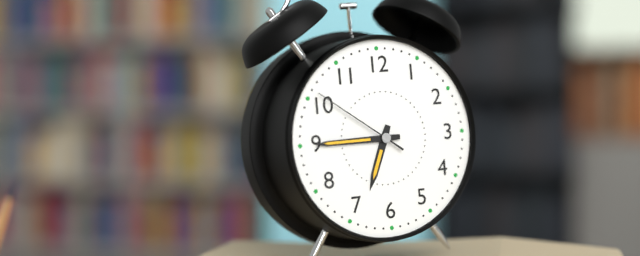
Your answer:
**6:45:51**
